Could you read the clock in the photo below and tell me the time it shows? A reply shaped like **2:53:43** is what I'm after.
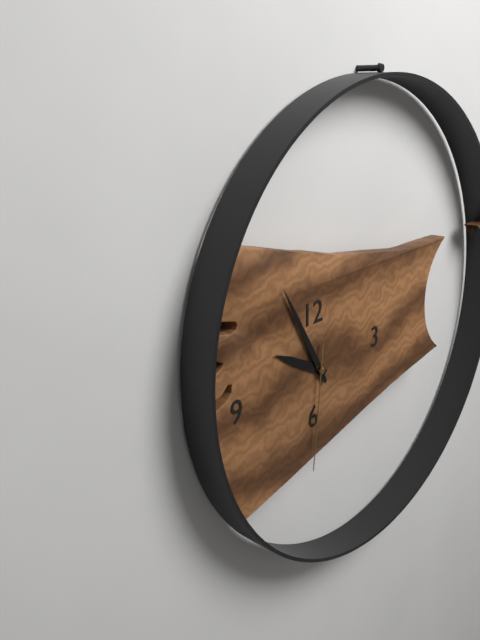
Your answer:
**9:55:31**
